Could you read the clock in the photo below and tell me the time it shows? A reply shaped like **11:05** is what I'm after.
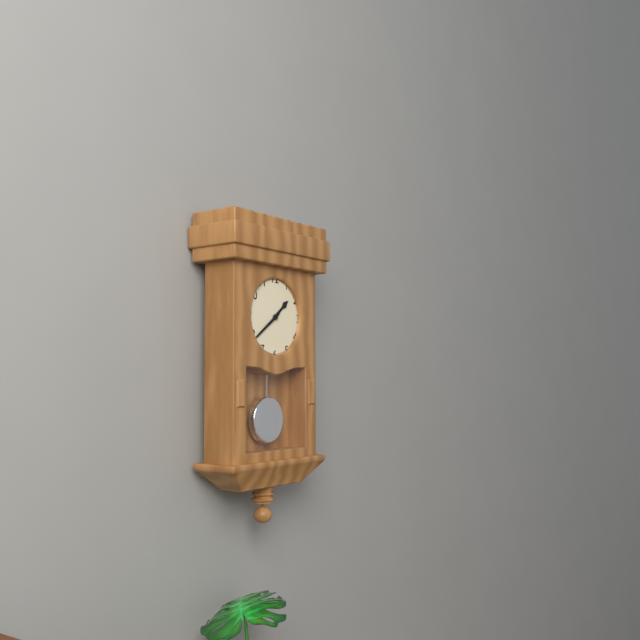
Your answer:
**1:39**
